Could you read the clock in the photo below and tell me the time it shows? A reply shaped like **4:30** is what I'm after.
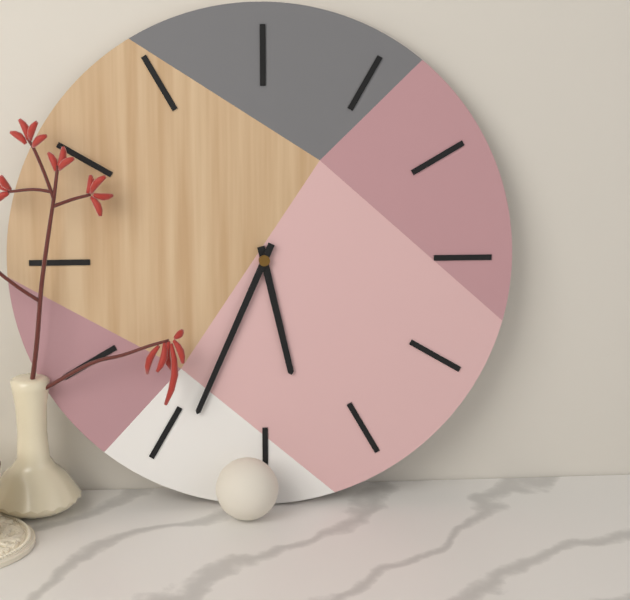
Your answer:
**5:34**
